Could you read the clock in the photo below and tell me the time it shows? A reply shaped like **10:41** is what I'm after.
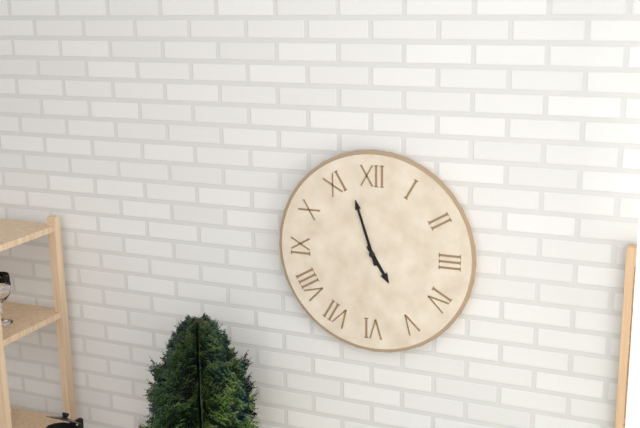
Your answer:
**4:57**
